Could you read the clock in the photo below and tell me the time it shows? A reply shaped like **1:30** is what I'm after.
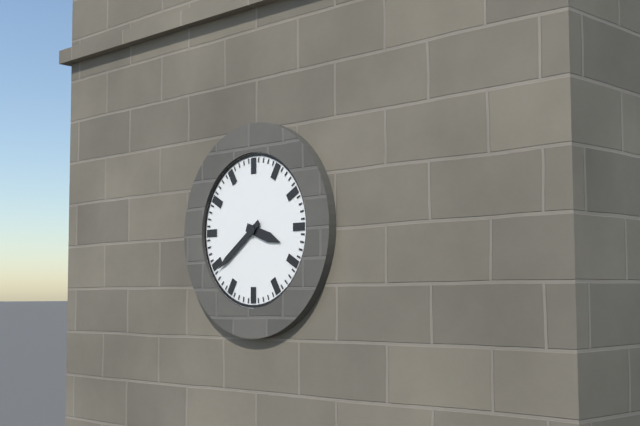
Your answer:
**3:39**
